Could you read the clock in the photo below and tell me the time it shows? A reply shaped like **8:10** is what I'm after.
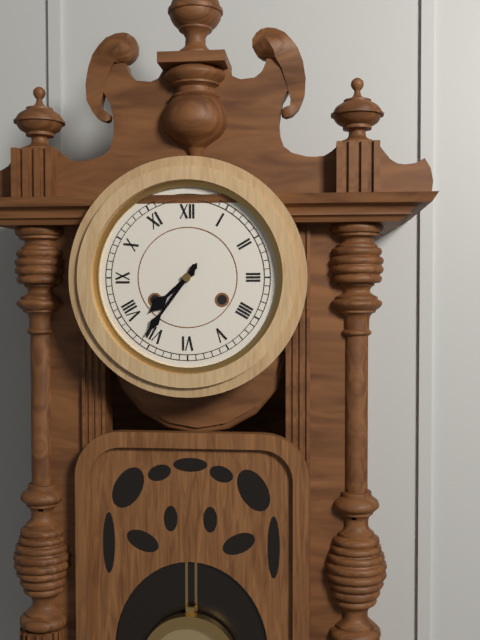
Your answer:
**7:36**
